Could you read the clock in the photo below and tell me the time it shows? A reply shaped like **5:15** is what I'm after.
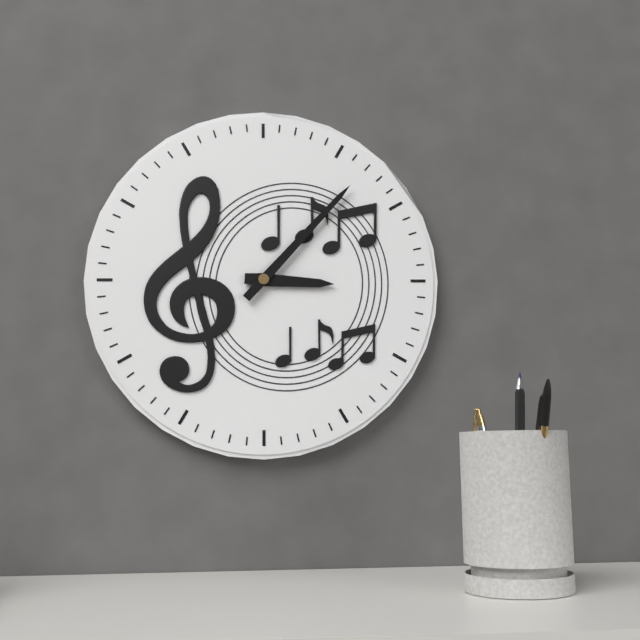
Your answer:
**3:07**
